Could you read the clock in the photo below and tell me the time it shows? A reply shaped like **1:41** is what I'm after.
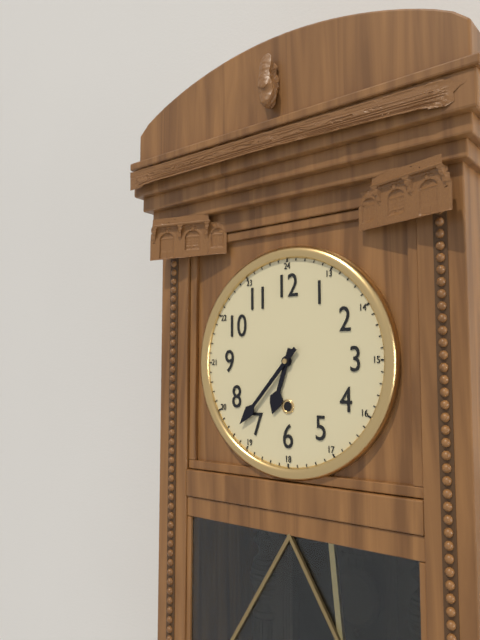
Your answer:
**6:37**
